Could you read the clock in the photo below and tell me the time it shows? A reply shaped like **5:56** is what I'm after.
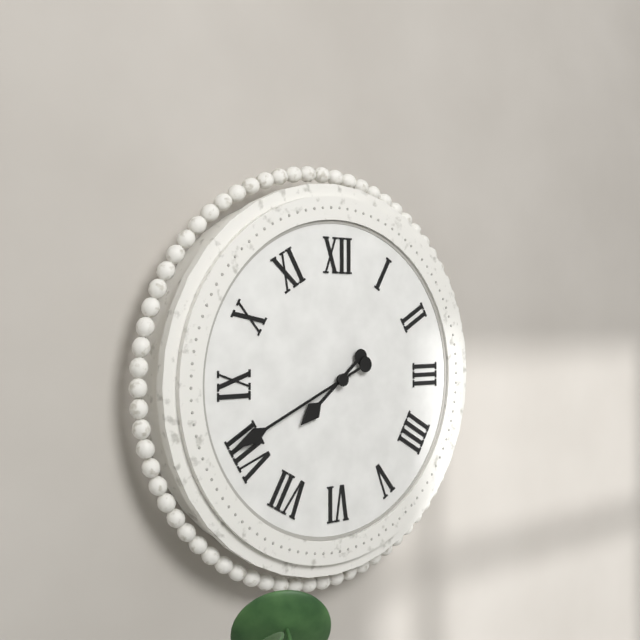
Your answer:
**7:41**
